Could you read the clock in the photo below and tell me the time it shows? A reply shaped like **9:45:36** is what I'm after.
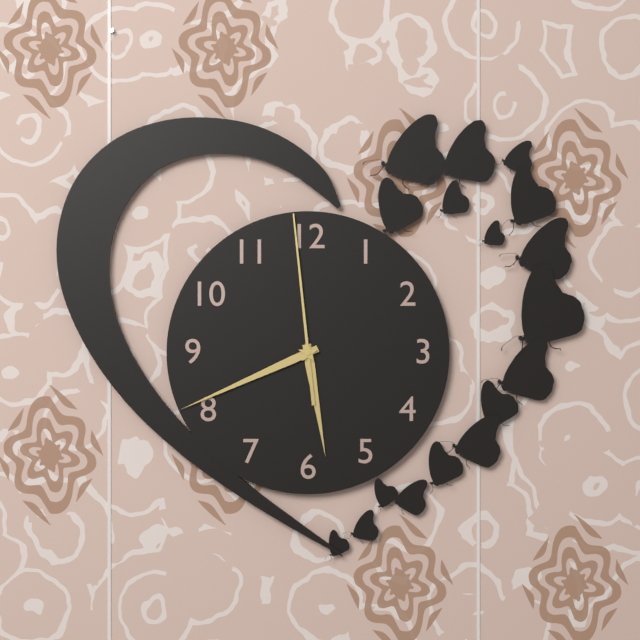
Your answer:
**5:41:59**
